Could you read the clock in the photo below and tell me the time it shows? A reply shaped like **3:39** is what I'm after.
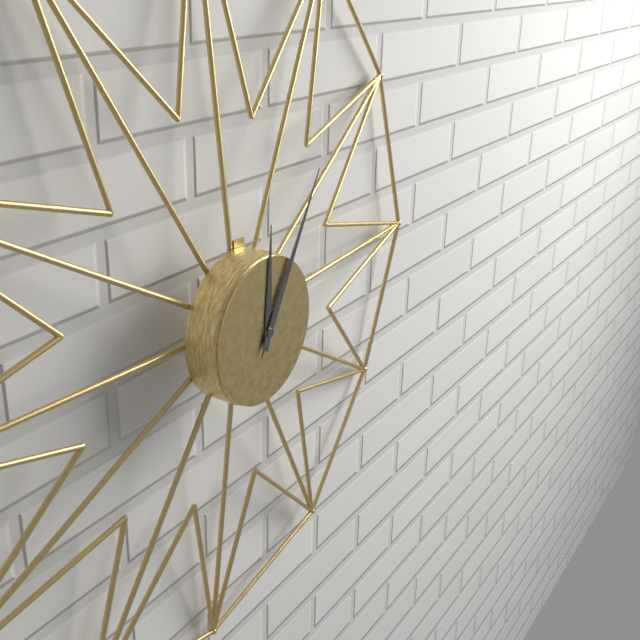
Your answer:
**12:05**
